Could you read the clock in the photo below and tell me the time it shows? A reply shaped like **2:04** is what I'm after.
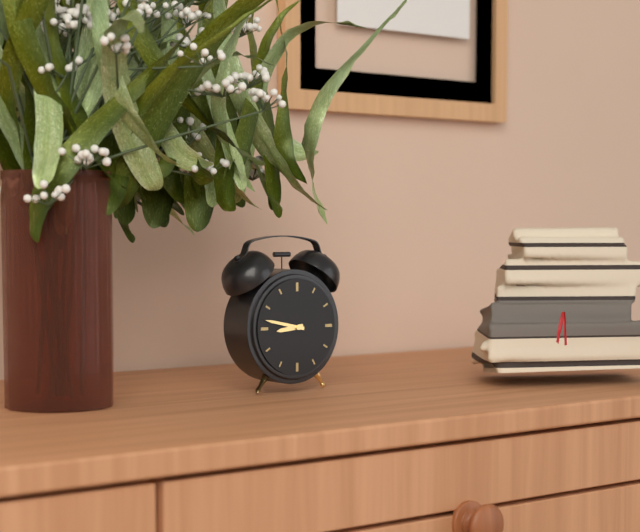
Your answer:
**8:47**
